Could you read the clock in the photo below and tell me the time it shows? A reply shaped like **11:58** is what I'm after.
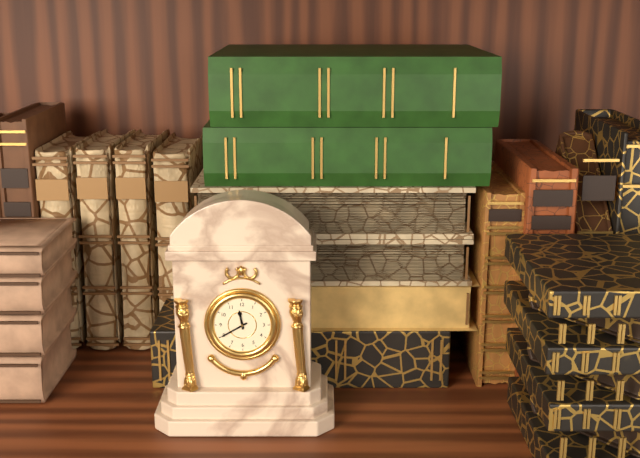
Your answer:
**11:40**
